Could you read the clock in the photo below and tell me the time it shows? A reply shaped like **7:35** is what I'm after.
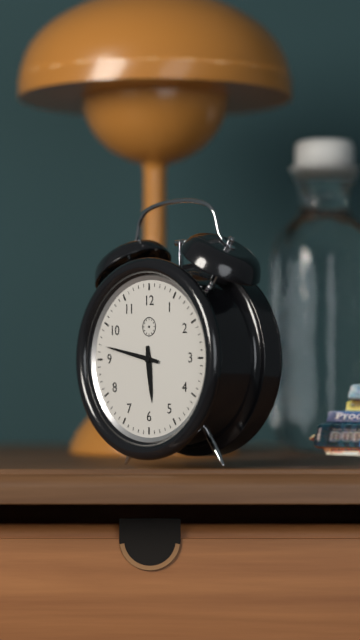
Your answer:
**5:47**
